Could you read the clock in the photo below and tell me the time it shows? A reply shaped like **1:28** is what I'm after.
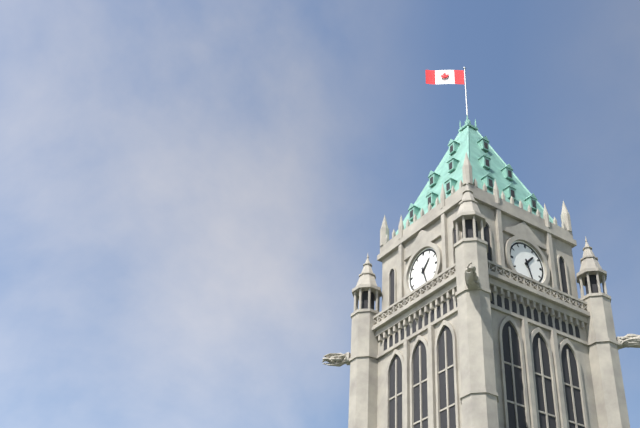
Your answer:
**1:27**
